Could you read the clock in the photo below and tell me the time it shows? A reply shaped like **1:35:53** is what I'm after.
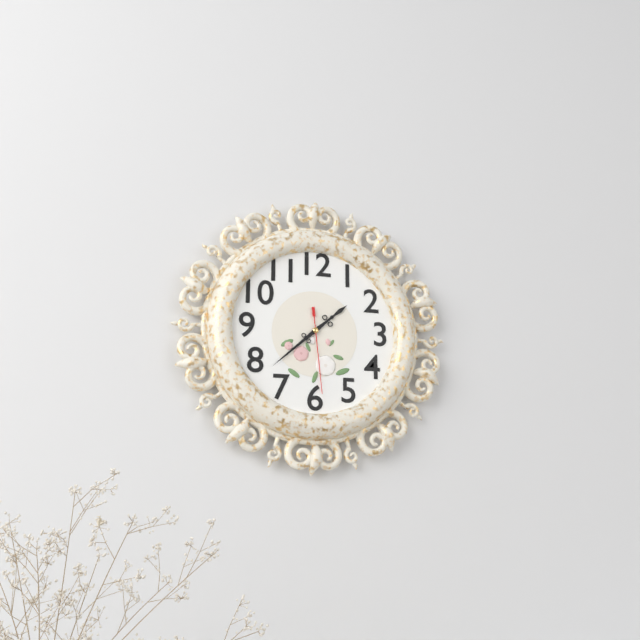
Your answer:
**1:38:29**
